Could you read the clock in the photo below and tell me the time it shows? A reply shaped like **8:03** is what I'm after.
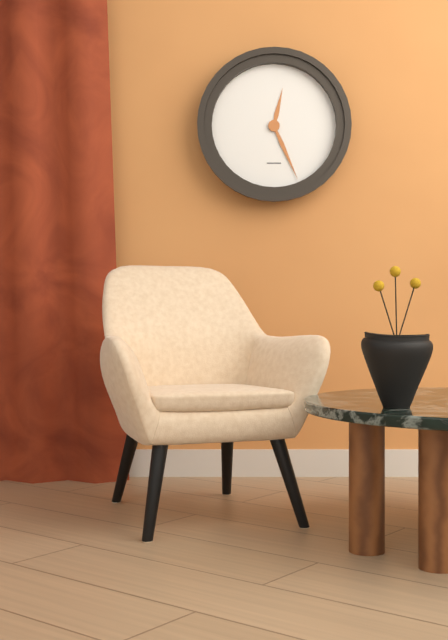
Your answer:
**12:26**
